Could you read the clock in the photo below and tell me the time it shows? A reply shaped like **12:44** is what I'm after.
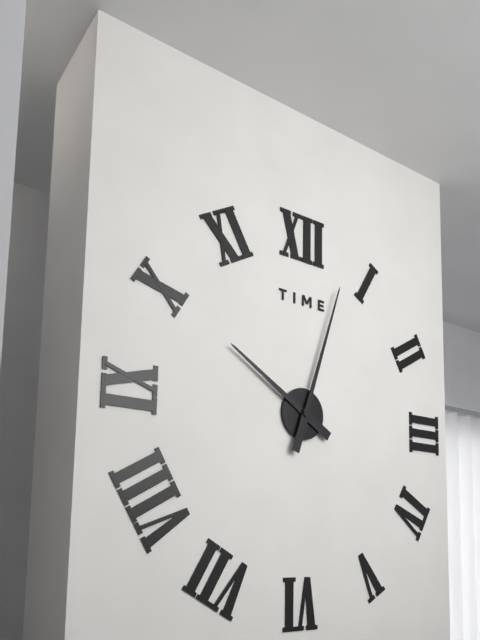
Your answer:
**10:03**
